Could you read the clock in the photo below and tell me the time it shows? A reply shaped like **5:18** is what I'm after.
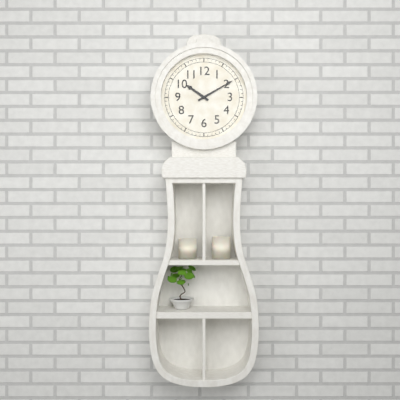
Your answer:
**10:10**
